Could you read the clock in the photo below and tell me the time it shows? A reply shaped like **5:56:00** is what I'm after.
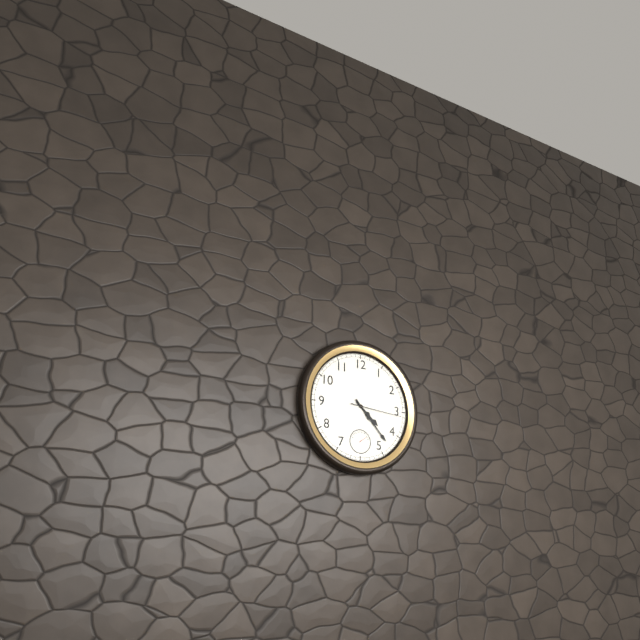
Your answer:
**4:23:16**
